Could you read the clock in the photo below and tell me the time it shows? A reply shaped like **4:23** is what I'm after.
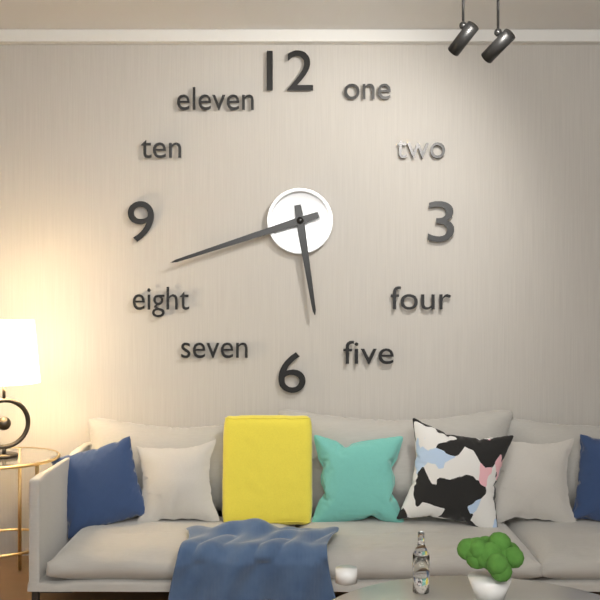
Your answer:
**5:42**
